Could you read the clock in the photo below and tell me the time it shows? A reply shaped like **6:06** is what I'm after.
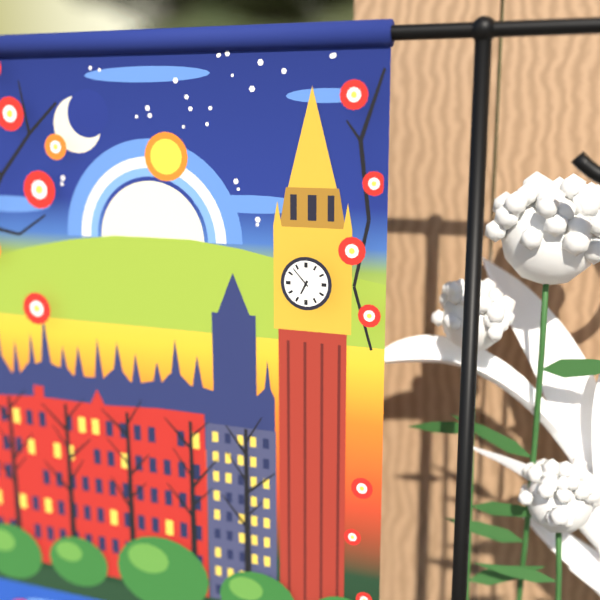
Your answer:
**6:53**
